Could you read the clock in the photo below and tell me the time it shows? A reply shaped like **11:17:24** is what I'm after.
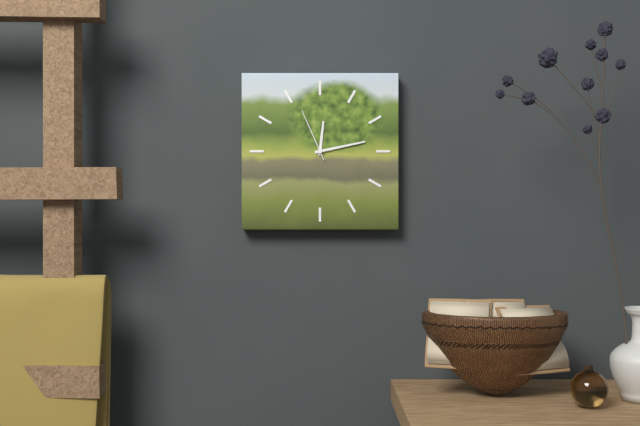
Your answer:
**12:13:56**
